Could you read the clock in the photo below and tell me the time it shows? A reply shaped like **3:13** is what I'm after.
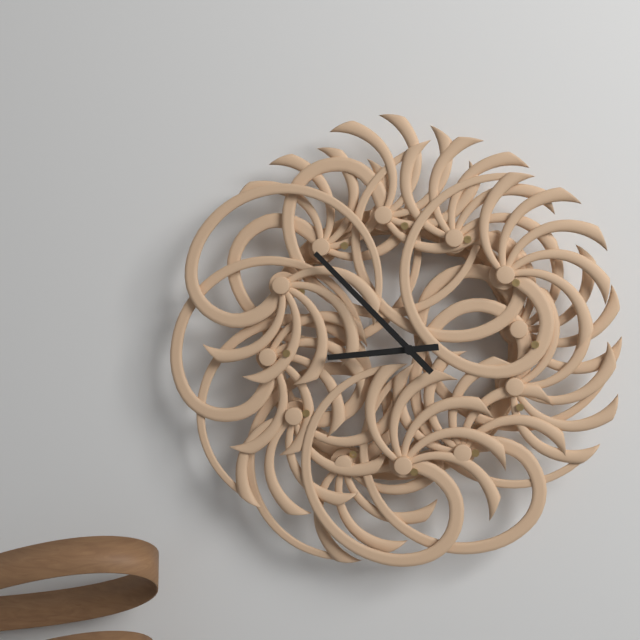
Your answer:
**8:53**
